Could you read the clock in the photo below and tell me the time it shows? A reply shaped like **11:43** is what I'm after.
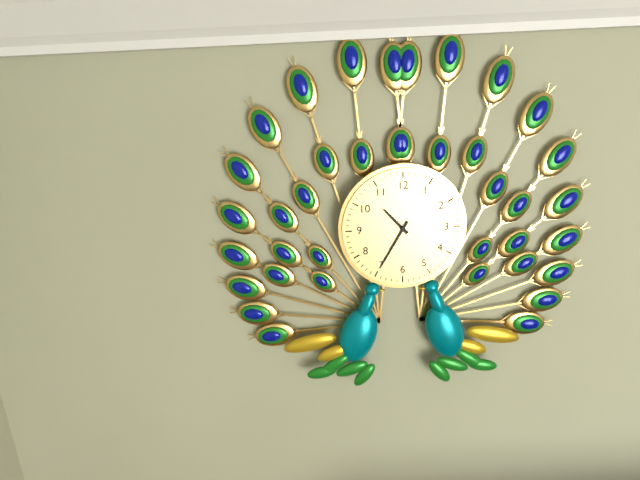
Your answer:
**10:35**
